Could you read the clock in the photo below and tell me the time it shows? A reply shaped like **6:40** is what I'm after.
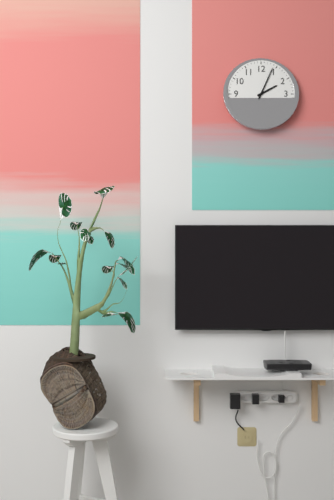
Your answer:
**2:04**
